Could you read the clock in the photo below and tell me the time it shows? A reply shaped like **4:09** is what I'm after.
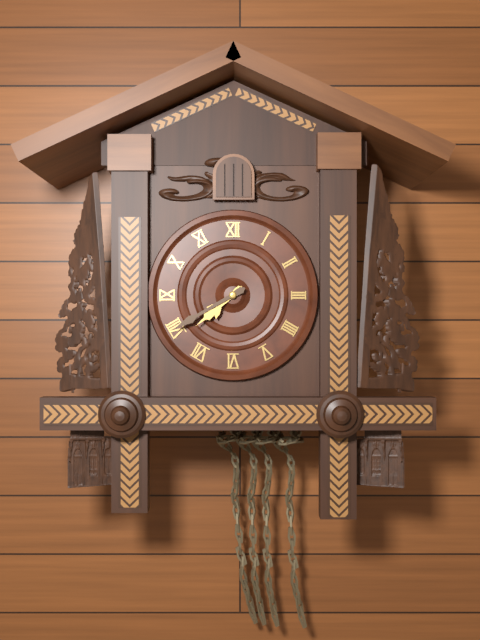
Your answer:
**7:40**
